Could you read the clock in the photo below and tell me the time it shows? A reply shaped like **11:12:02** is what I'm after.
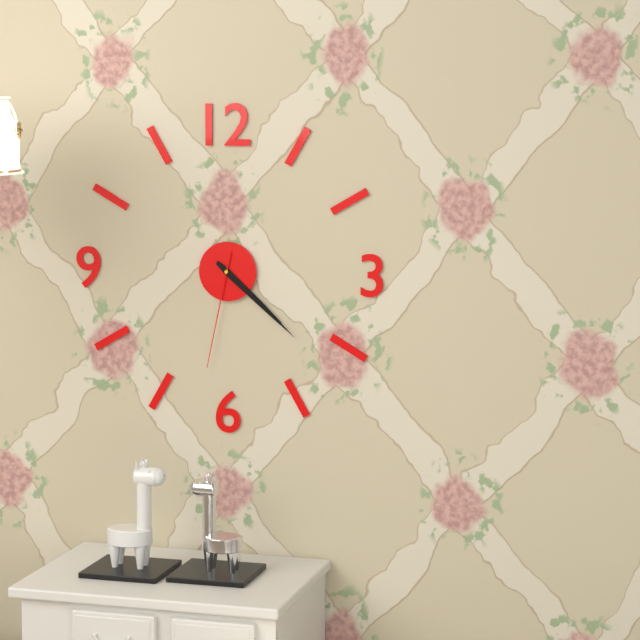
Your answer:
**4:22:32**
